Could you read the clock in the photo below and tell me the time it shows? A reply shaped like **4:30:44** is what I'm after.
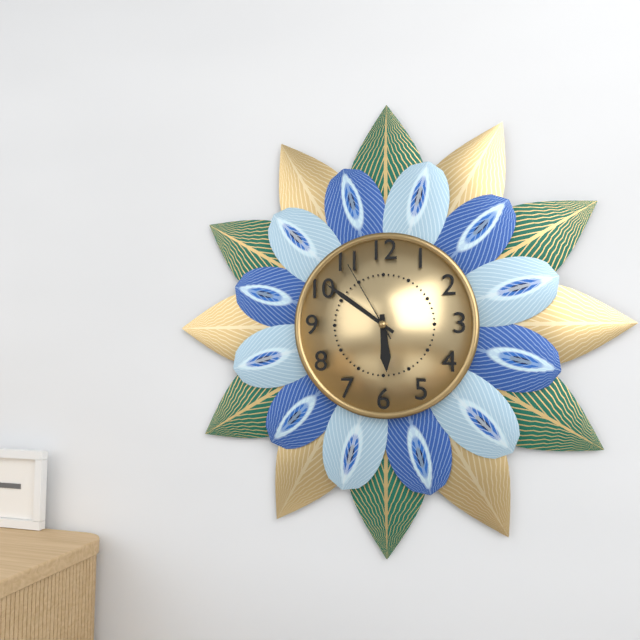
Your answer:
**5:51:55**
